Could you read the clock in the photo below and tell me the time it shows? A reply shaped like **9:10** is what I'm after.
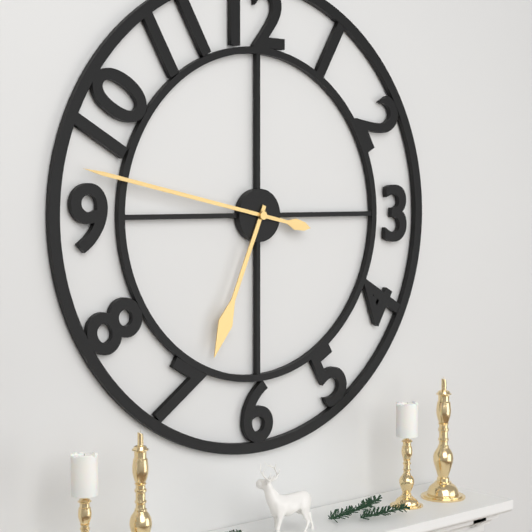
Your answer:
**6:47**
